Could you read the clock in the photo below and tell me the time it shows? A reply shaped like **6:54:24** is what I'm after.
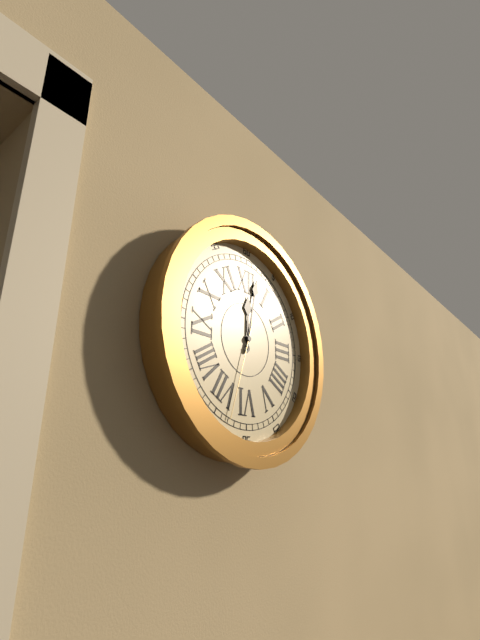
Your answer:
**12:02:33**
